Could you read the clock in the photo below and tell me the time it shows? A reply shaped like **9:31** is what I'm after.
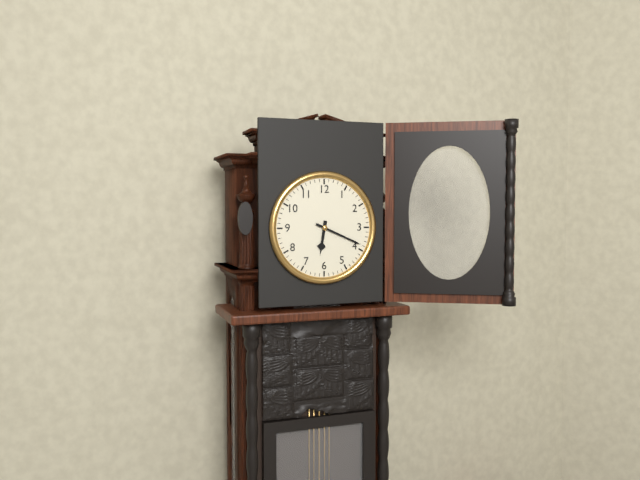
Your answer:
**6:19**
